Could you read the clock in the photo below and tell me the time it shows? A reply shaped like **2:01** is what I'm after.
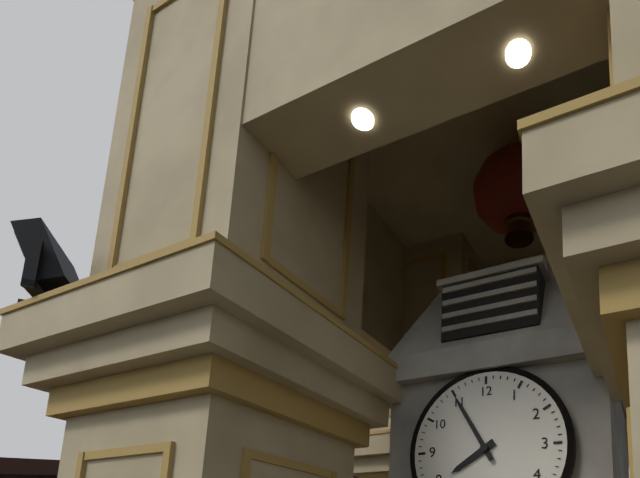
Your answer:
**7:55**
